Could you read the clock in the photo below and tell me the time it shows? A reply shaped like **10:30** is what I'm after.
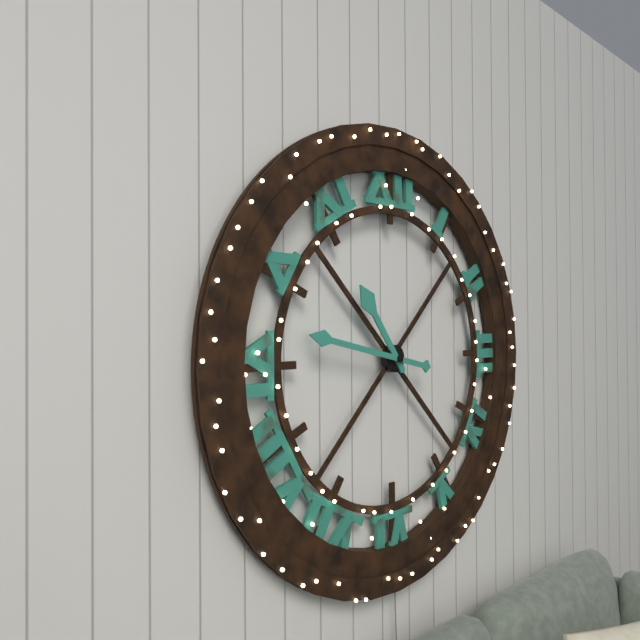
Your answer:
**10:47**
